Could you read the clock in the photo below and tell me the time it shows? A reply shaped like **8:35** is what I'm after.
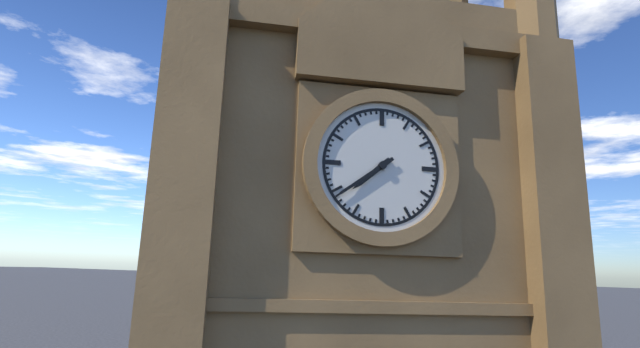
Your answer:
**7:39**
